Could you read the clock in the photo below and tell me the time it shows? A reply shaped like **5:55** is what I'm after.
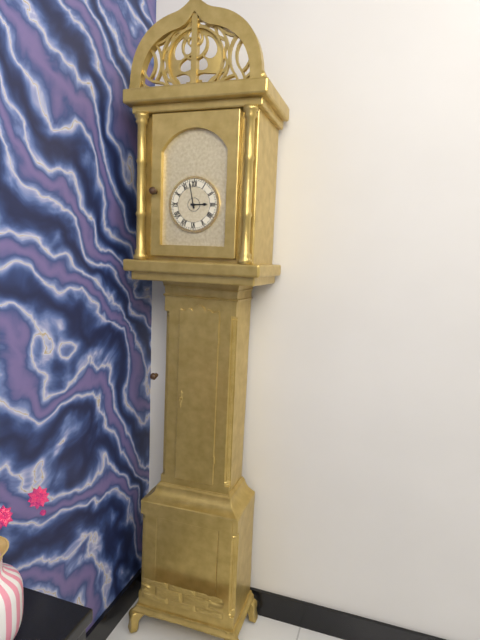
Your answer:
**2:58**
